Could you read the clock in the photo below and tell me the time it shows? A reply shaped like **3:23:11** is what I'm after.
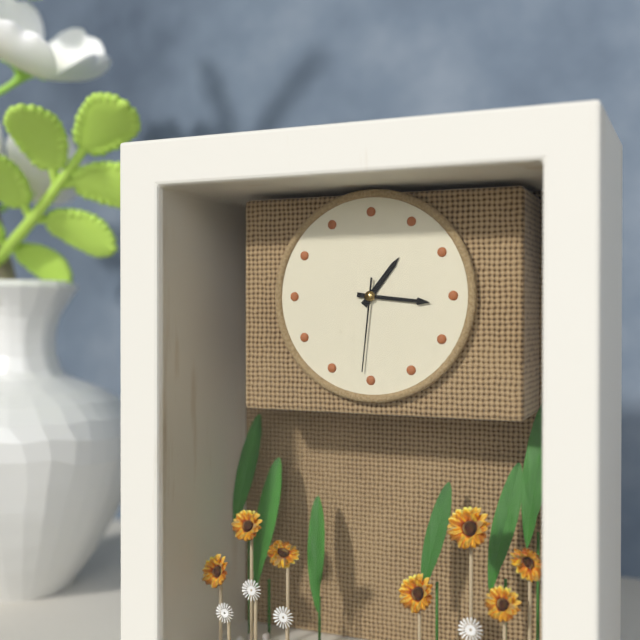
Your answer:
**1:16:31**
